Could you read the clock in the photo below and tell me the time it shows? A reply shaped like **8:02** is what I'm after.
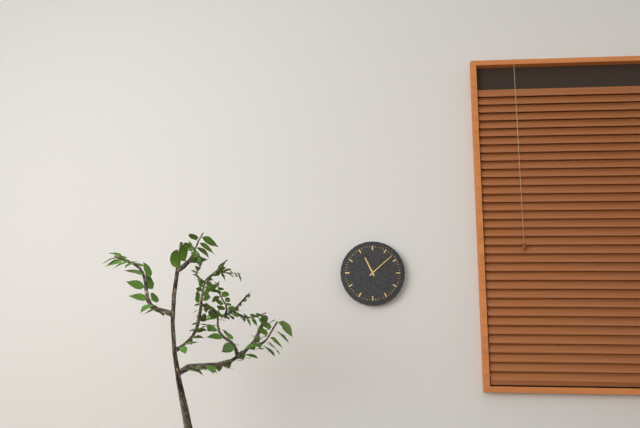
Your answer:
**11:08**
